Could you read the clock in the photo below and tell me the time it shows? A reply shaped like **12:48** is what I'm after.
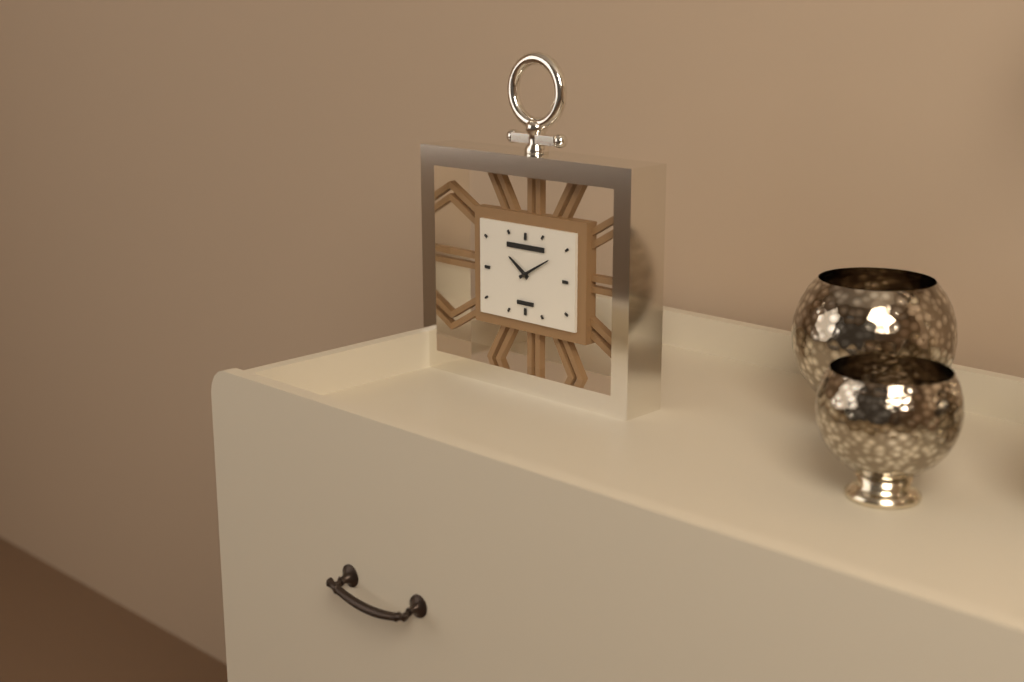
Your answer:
**10:10**
